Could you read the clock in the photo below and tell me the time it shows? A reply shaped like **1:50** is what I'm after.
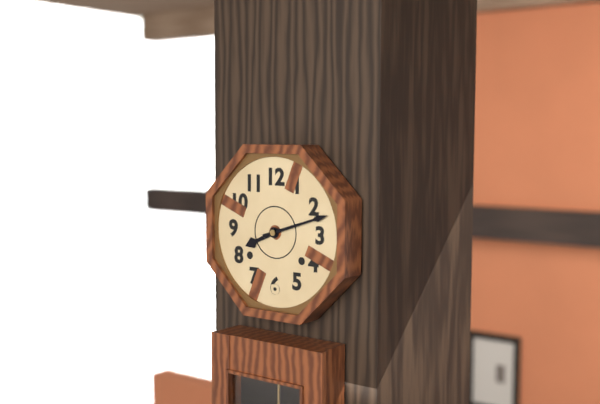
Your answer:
**8:12**
